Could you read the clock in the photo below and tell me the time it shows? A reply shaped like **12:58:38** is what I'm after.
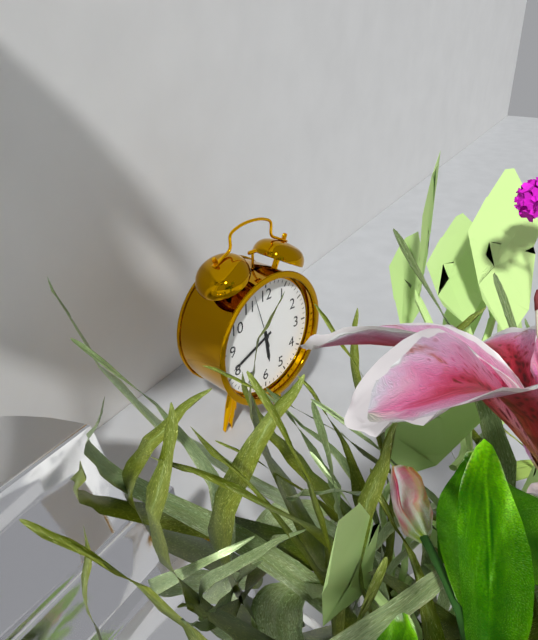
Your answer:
**5:41:57**
